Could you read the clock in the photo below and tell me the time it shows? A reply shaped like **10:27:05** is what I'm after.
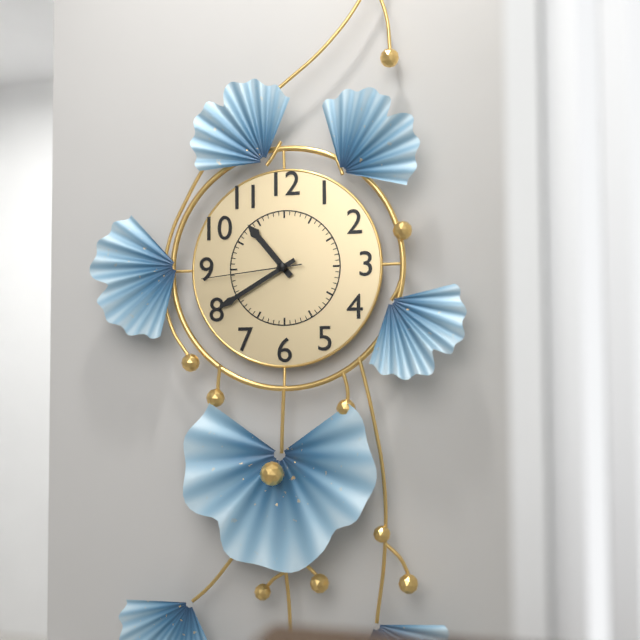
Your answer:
**10:40:44**
